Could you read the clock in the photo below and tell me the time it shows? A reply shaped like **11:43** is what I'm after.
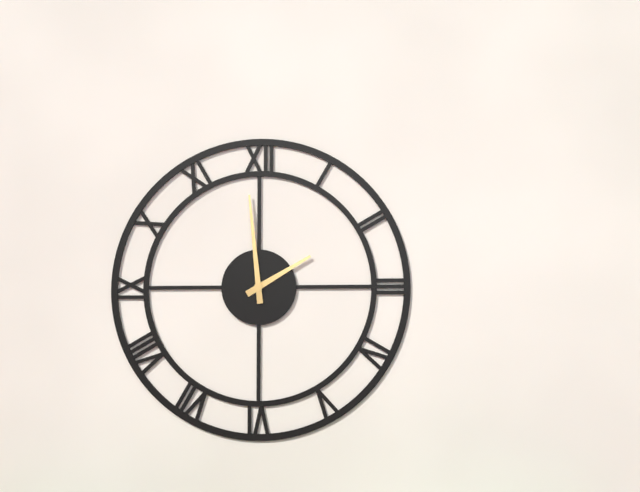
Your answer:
**1:59**
